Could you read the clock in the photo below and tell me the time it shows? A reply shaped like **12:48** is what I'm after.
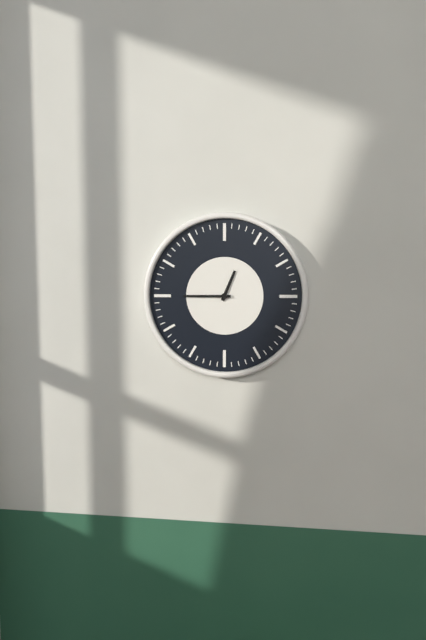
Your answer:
**12:45**
